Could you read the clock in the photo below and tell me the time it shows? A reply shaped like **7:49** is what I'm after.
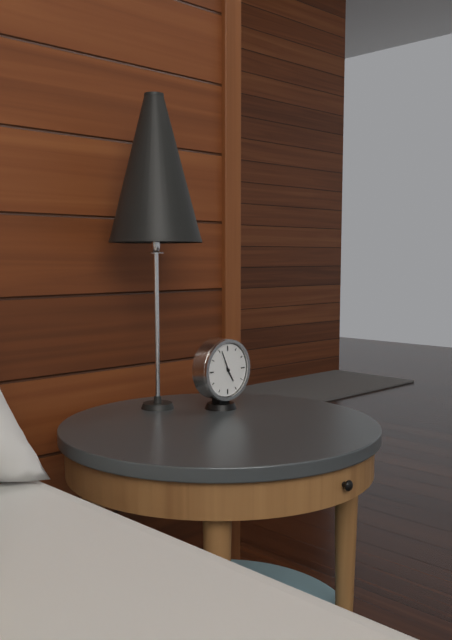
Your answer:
**4:56**
